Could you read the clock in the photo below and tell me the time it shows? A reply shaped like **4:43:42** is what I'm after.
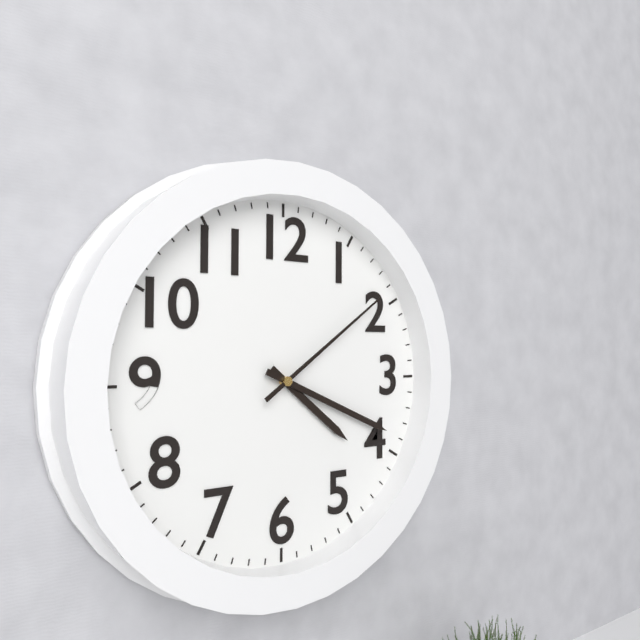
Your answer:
**4:19:09**
